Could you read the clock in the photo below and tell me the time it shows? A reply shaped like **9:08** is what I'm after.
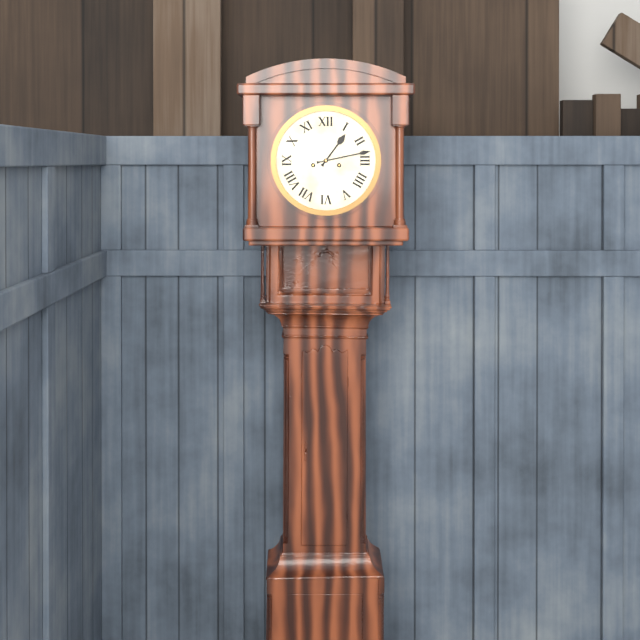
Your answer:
**1:13**
